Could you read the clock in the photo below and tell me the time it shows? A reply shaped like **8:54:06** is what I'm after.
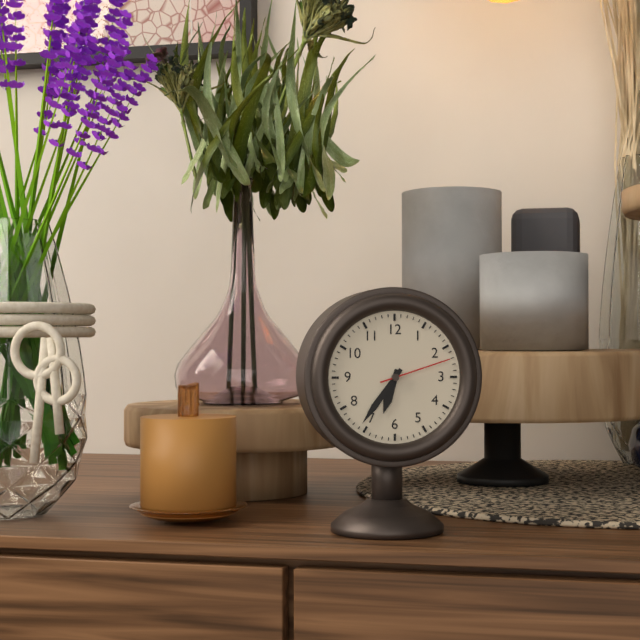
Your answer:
**6:36:12**
